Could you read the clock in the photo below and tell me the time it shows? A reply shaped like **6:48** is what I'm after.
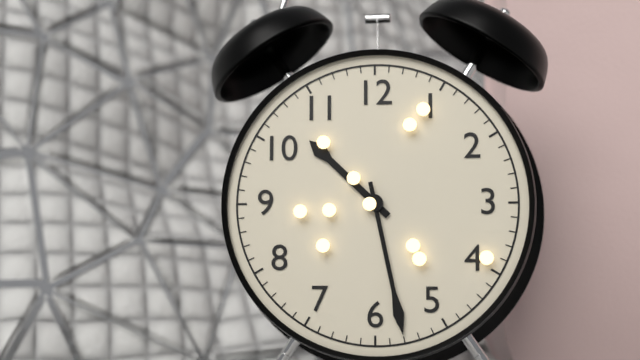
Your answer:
**10:28**
